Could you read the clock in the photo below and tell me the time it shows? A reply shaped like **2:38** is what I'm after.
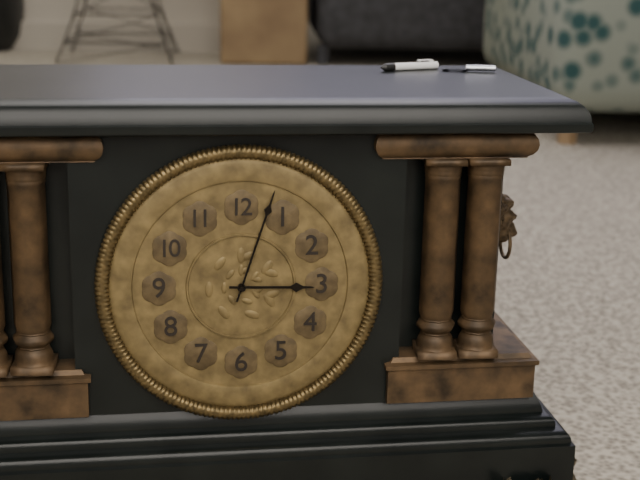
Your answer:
**3:03**
